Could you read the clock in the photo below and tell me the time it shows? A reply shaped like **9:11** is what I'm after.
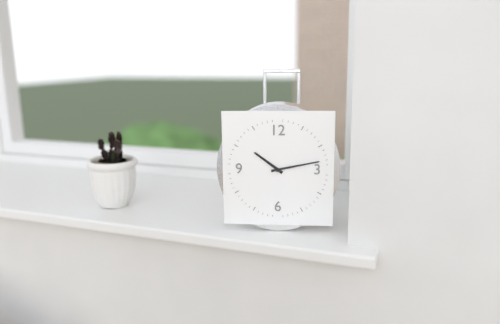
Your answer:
**10:13**
